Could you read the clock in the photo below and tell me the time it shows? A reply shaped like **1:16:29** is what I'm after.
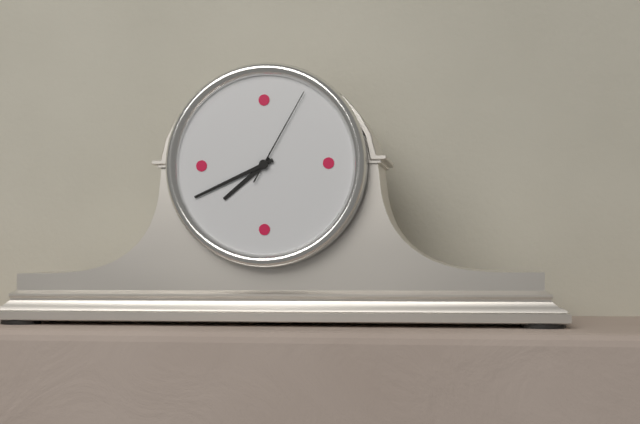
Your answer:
**7:41:05**
